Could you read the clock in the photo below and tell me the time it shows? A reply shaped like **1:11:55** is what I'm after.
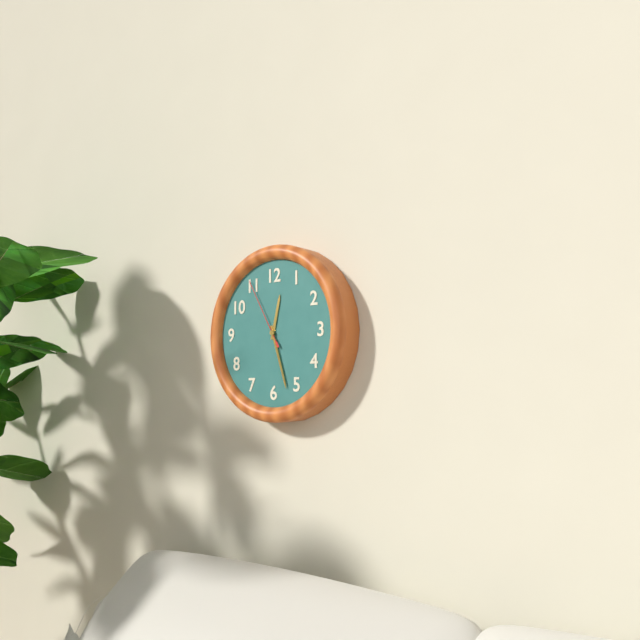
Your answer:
**12:27:55**
